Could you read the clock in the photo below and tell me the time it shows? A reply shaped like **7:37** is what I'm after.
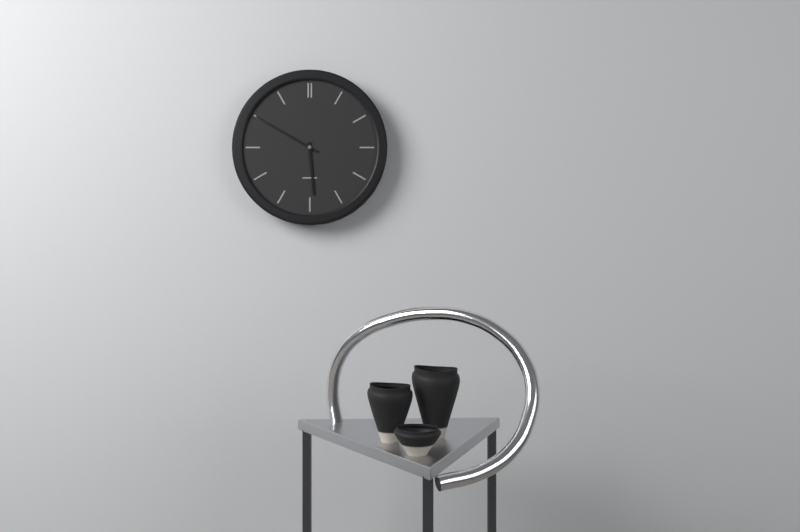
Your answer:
**5:50**
